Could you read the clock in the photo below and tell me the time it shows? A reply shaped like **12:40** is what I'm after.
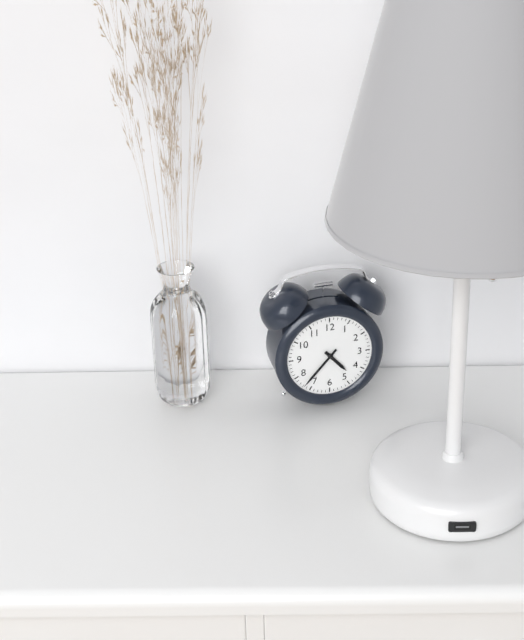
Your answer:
**4:37**
